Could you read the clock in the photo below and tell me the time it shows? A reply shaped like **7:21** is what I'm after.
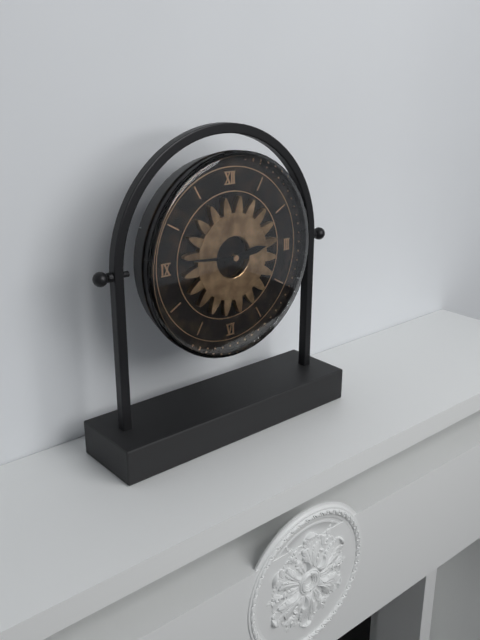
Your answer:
**2:46**
